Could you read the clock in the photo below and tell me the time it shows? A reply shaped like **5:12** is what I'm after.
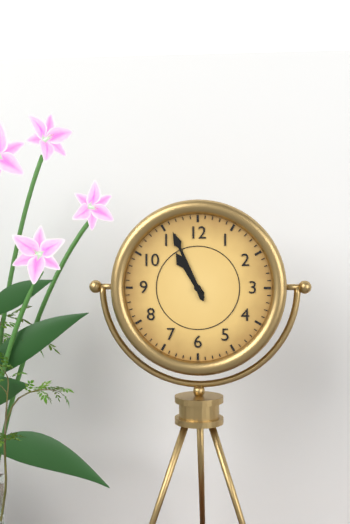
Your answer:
**10:56**
